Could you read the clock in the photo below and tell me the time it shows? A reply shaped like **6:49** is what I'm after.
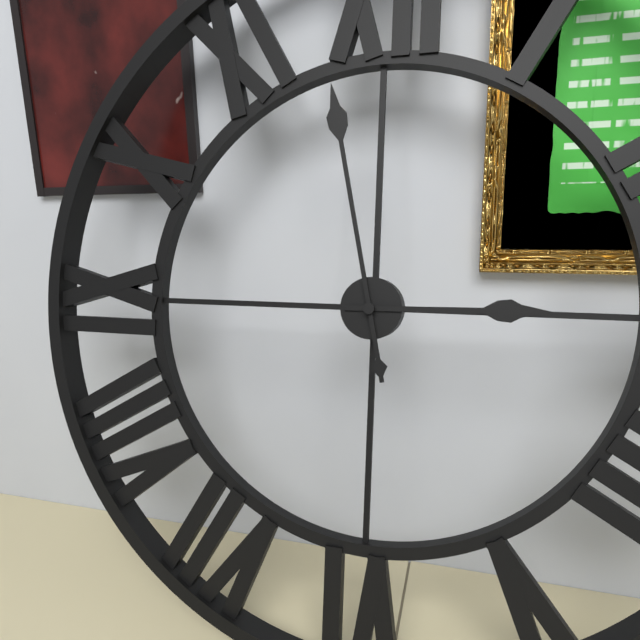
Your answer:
**2:58**
